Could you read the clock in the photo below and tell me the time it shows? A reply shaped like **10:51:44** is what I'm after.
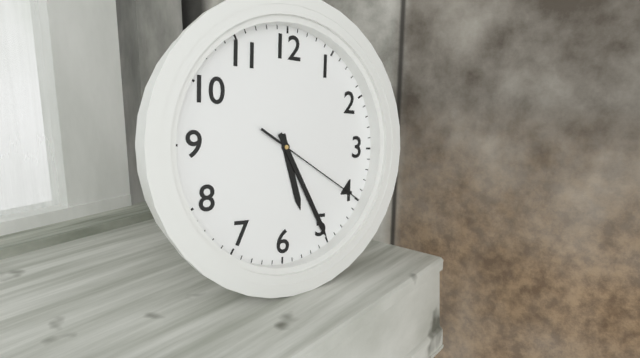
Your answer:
**5:25:20**
